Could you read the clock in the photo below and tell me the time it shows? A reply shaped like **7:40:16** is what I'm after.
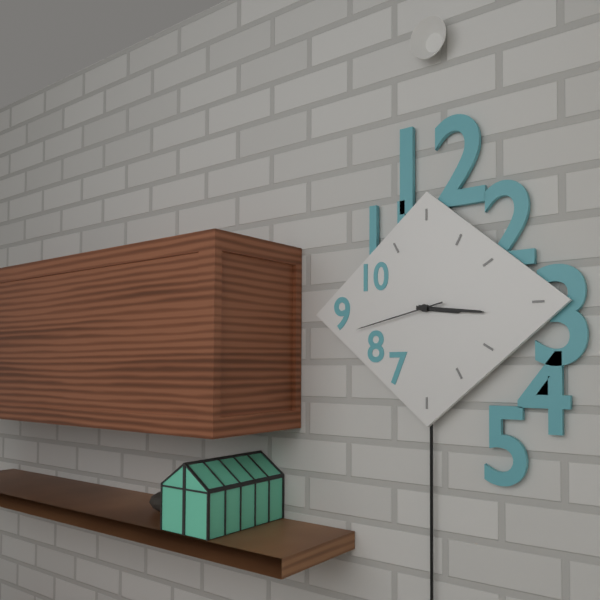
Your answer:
**3:16:43**
